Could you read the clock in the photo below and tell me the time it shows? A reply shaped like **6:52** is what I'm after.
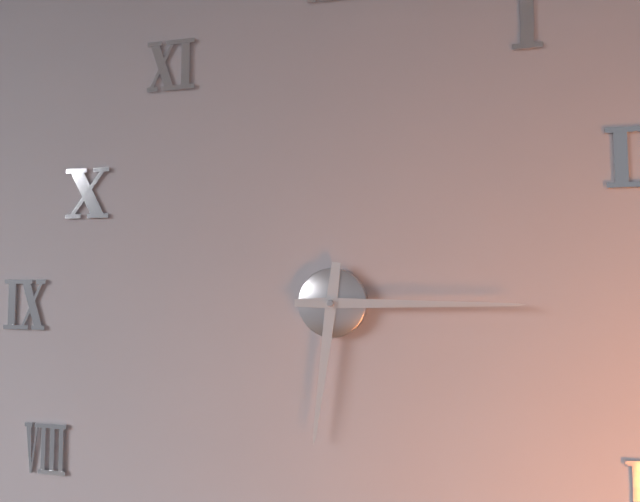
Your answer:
**6:15**
